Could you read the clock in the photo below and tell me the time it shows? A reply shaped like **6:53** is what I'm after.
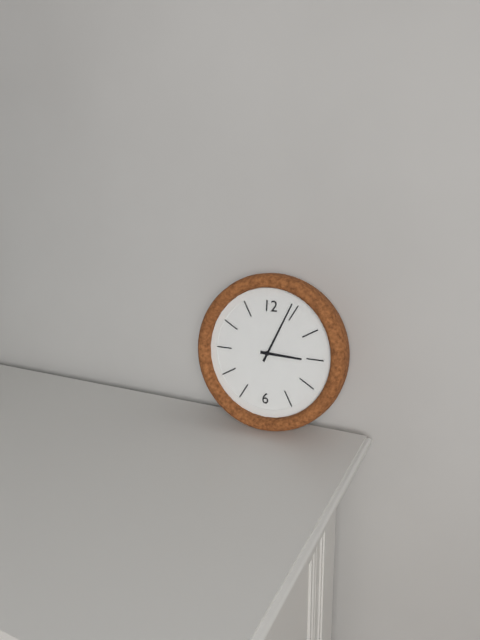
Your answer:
**3:04**
